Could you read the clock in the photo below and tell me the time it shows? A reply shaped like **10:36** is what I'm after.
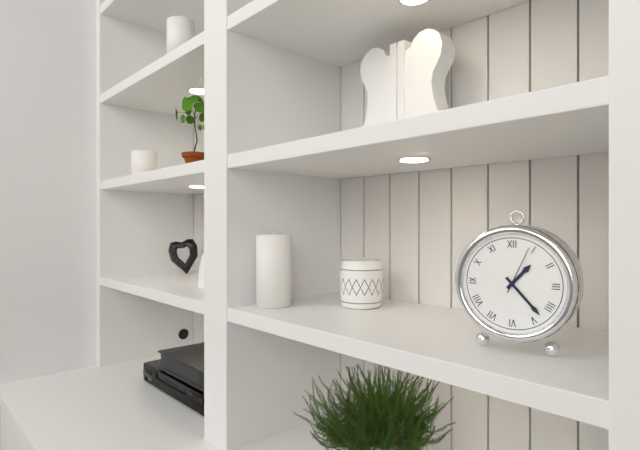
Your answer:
**1:23**
